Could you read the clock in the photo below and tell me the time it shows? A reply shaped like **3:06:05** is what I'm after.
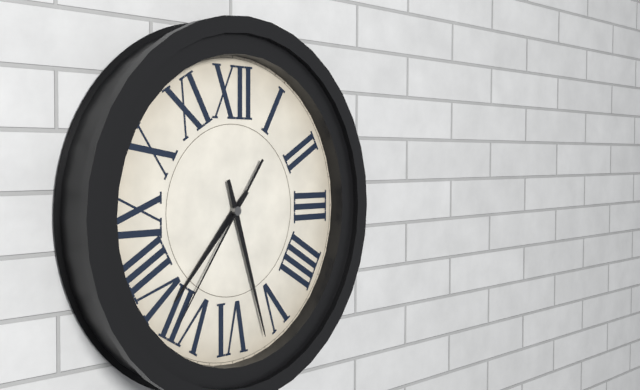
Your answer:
**7:27:36**
